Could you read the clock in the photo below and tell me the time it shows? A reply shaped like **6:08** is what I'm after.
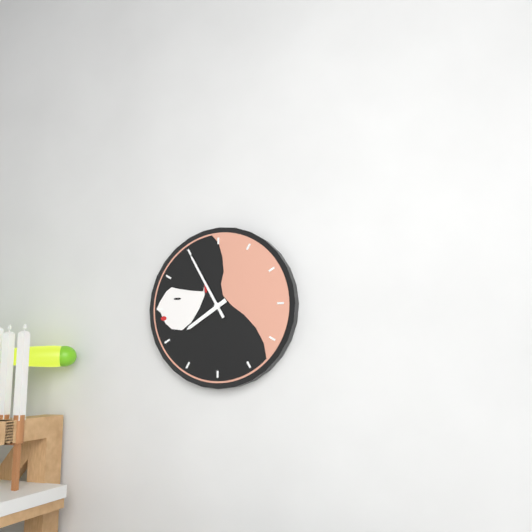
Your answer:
**7:55**
